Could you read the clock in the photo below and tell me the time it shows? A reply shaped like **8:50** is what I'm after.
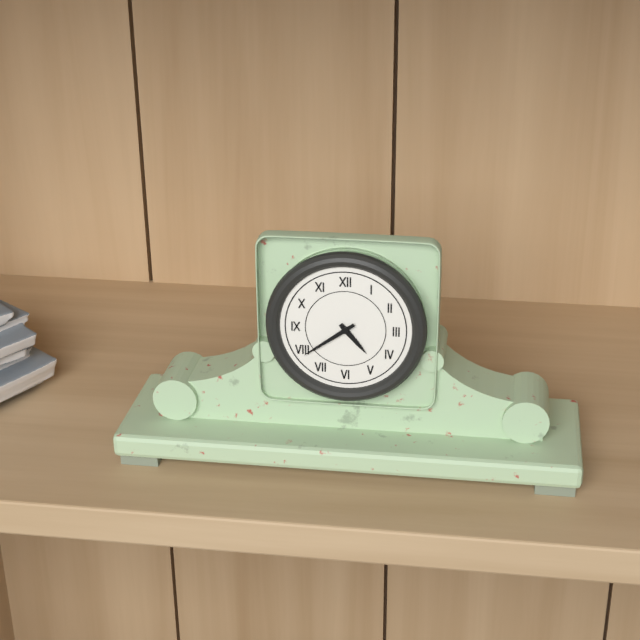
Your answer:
**4:39**
